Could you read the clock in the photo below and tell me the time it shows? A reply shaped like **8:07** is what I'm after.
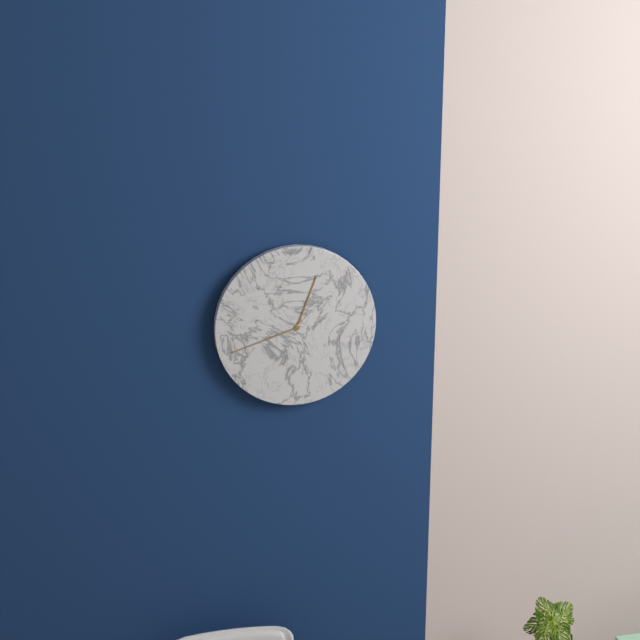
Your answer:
**12:42**
